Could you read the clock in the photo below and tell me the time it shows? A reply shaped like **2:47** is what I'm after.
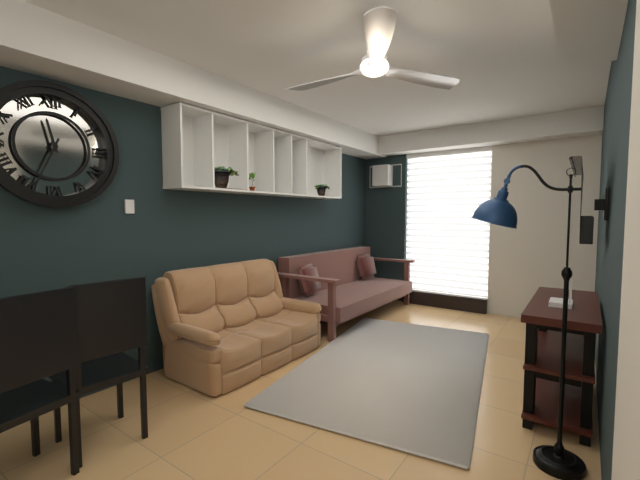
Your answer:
**11:34**
